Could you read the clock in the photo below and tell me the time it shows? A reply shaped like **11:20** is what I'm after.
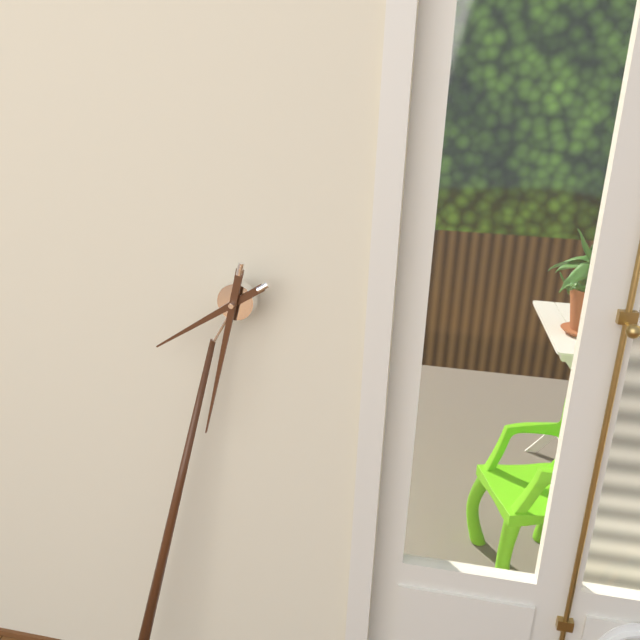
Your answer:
**7:30**
